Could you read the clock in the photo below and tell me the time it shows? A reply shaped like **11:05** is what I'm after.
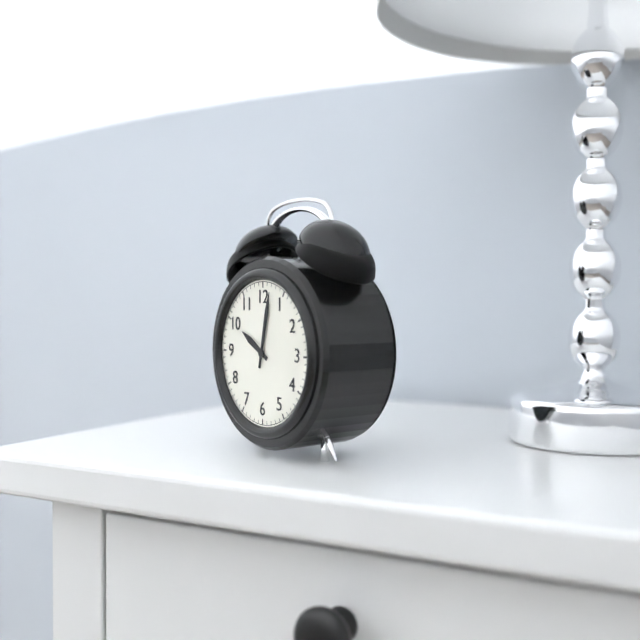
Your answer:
**10:02**
